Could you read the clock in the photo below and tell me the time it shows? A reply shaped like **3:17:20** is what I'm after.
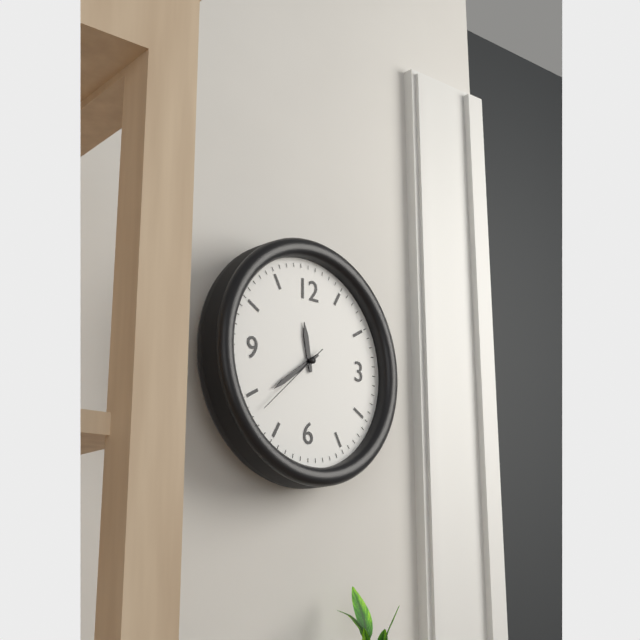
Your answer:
**11:39:38**
